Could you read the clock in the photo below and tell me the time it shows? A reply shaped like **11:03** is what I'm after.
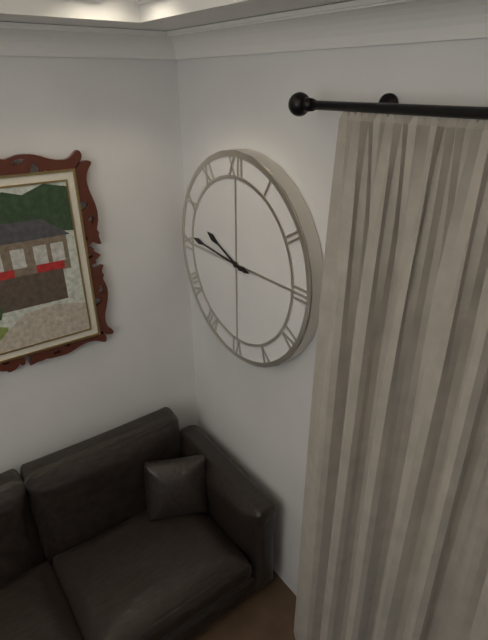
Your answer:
**9:46**
